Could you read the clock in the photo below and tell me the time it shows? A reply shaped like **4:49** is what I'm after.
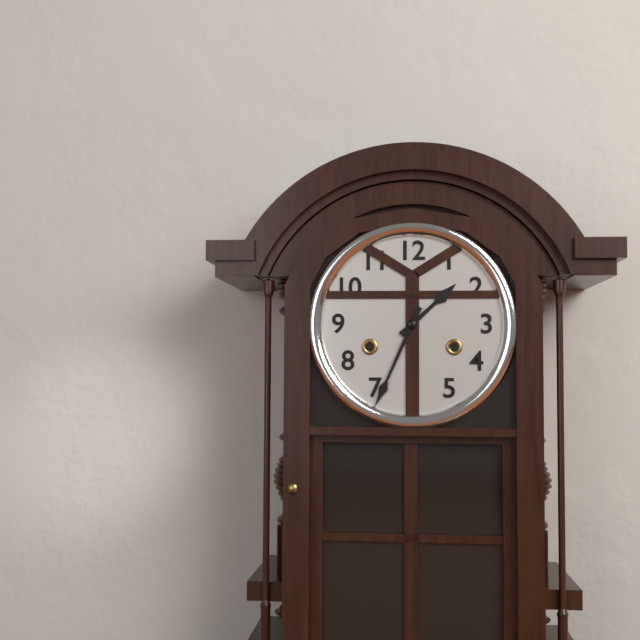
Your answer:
**1:34**
